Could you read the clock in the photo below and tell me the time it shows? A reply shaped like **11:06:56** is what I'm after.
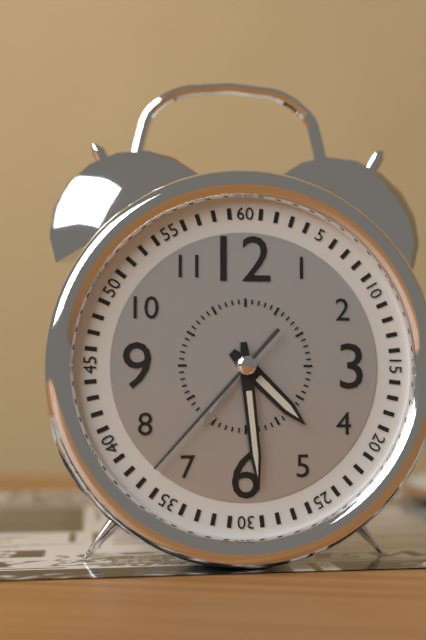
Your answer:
**4:29:37**
